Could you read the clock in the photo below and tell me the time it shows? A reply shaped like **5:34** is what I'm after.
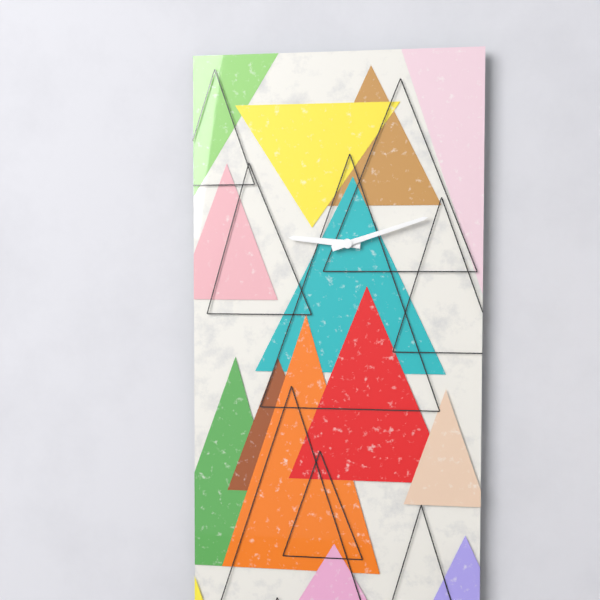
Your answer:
**9:12**
